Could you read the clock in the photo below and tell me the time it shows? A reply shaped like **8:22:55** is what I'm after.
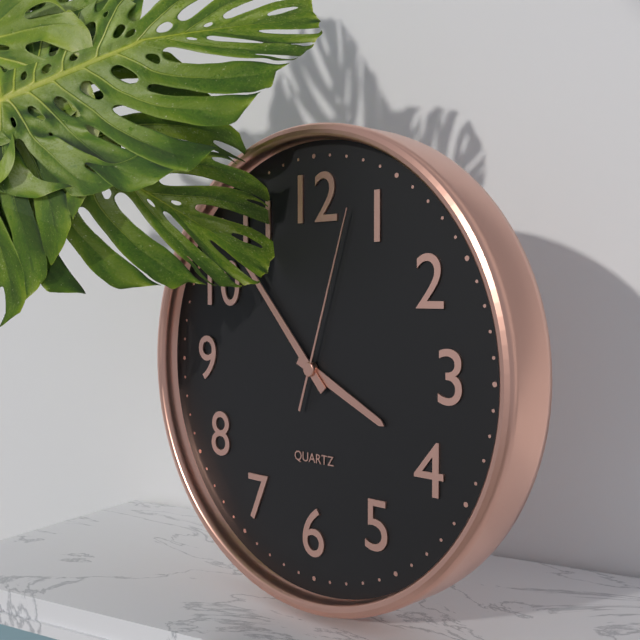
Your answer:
**3:53:03**
